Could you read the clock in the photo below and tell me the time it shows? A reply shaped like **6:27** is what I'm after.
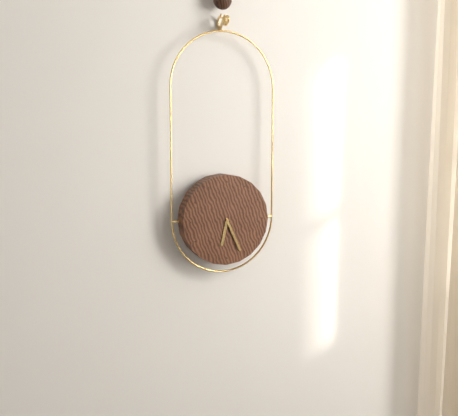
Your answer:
**6:26**
